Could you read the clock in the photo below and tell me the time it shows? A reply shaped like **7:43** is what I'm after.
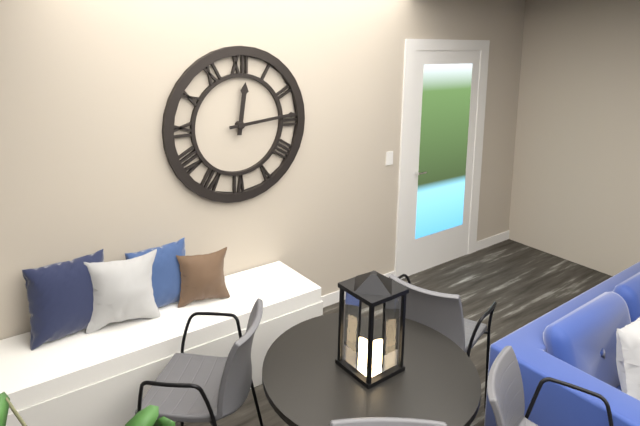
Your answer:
**12:14**
